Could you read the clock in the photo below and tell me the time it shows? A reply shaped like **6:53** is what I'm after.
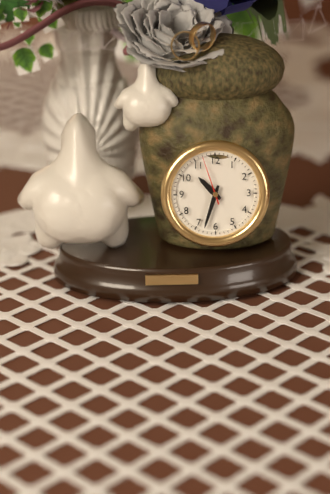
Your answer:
**10:33**
